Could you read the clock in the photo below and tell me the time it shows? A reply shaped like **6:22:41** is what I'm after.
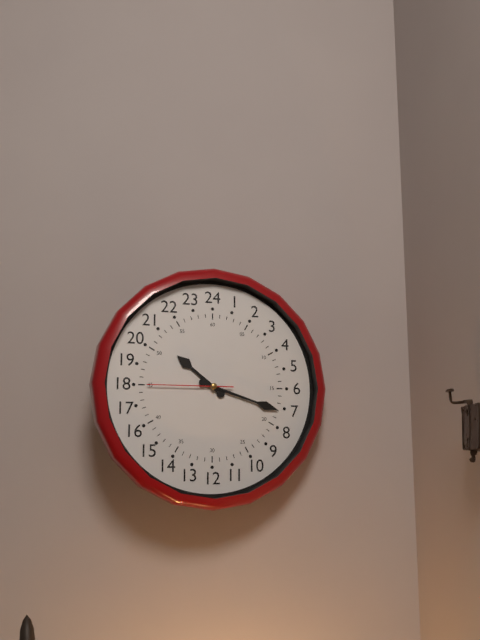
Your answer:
**10:18:45**
